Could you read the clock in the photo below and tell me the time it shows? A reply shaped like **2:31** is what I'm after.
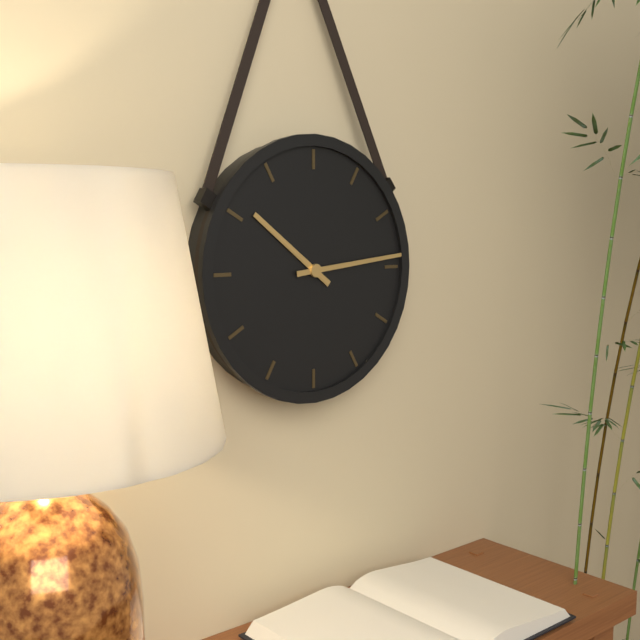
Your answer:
**10:14**
